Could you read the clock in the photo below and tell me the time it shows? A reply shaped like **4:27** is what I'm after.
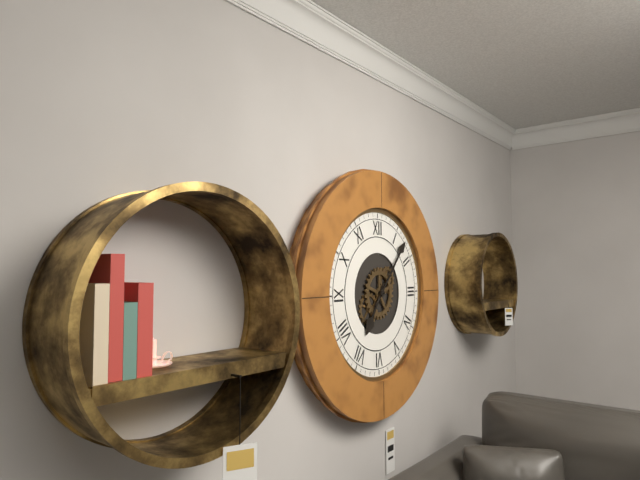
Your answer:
**7:07**
